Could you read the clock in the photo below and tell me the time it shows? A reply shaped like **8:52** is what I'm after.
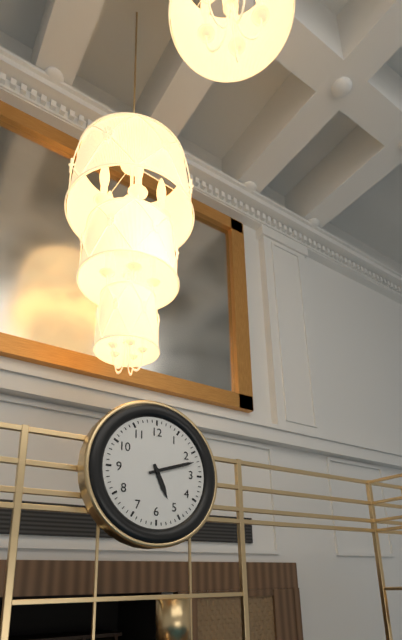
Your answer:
**5:12**
